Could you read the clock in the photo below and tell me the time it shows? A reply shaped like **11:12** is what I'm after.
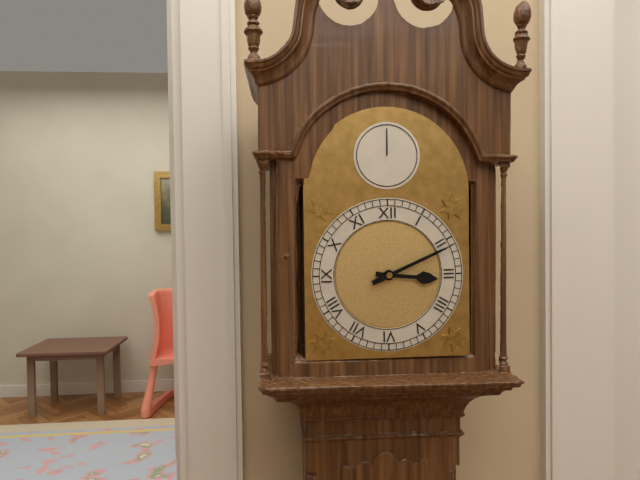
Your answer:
**3:11**
